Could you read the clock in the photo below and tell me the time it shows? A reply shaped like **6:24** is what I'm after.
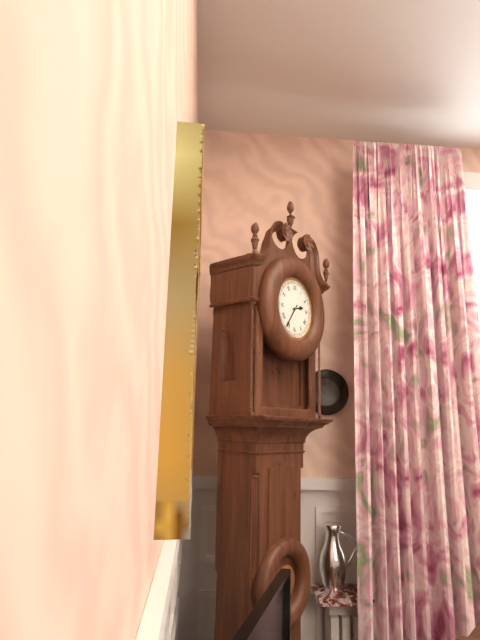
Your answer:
**2:36**
